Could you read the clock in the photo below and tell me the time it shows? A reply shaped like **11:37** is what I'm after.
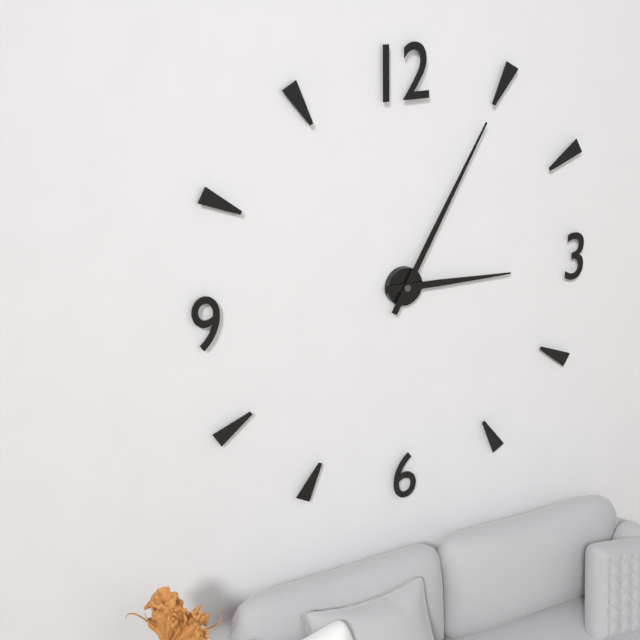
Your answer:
**3:05**
